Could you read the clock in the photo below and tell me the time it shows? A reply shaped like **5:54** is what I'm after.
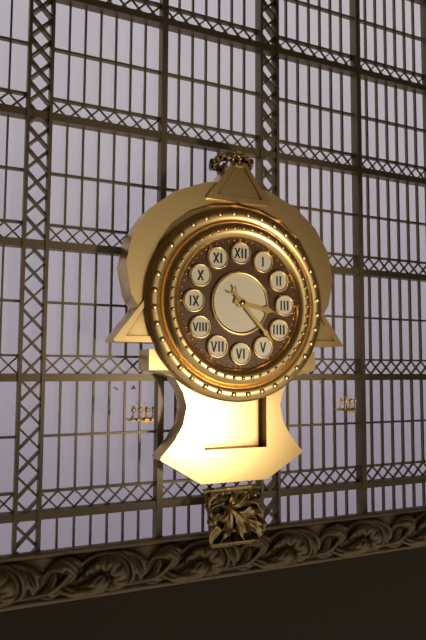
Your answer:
**3:23**
